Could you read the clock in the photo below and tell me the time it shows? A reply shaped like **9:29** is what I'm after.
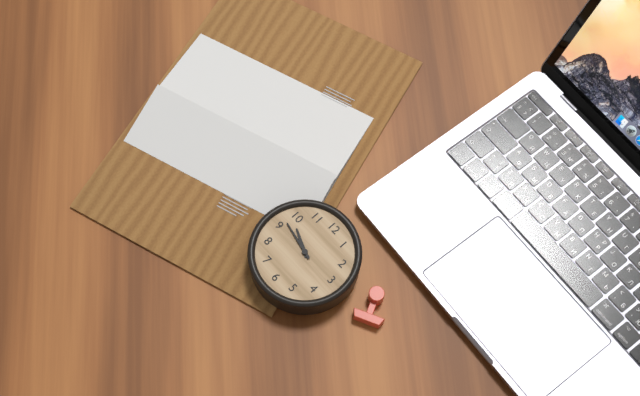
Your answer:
**9:47**
